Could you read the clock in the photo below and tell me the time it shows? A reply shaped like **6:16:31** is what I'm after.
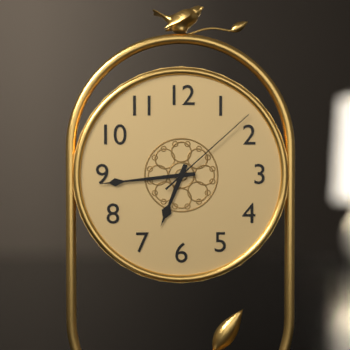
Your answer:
**6:44:08**
